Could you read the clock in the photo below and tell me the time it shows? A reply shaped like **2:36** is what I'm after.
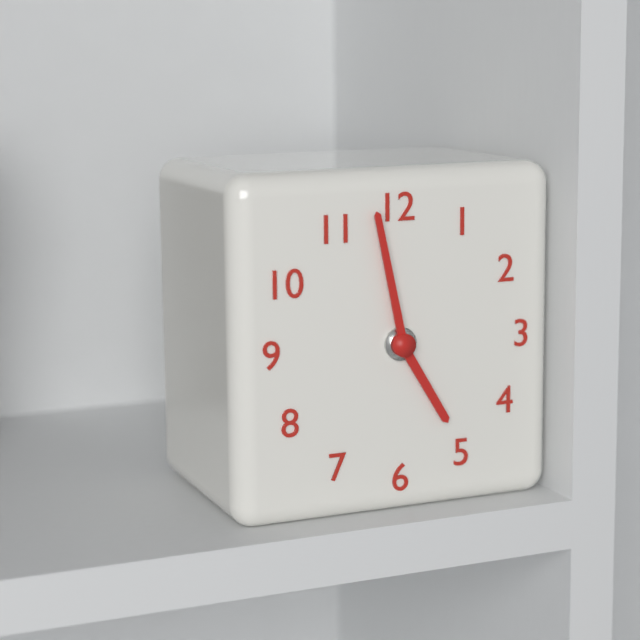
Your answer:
**4:58**
